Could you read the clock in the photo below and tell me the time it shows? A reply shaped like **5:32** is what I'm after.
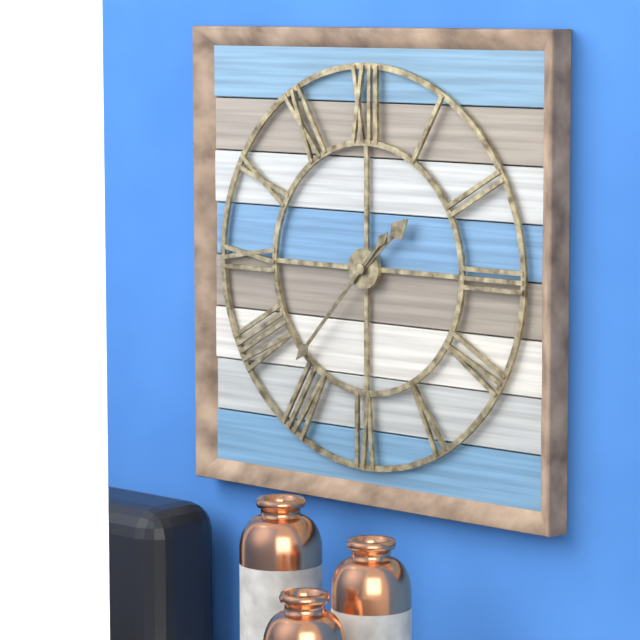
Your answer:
**1:37**
